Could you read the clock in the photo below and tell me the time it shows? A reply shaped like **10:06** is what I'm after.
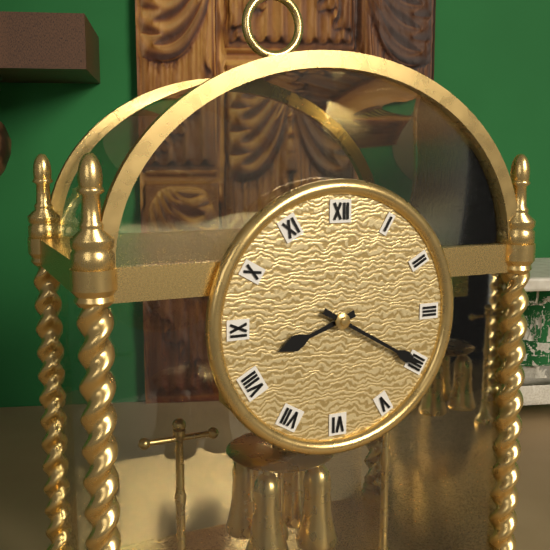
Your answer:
**8:20**
